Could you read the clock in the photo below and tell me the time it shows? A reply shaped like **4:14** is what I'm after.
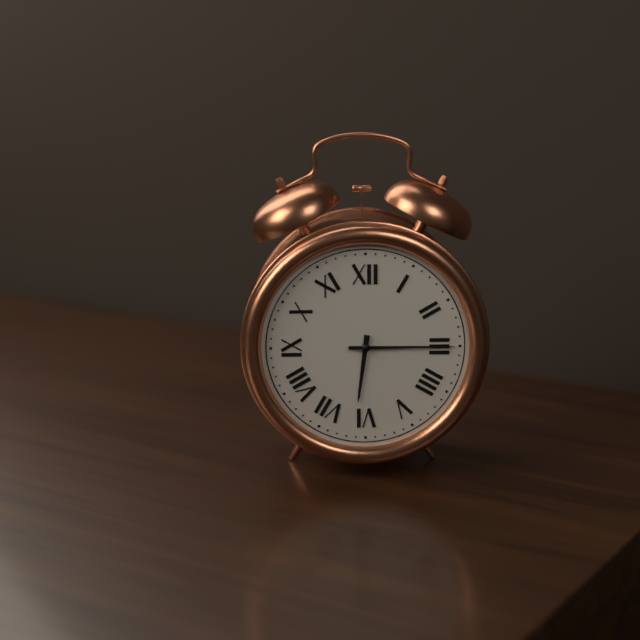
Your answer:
**6:15**
